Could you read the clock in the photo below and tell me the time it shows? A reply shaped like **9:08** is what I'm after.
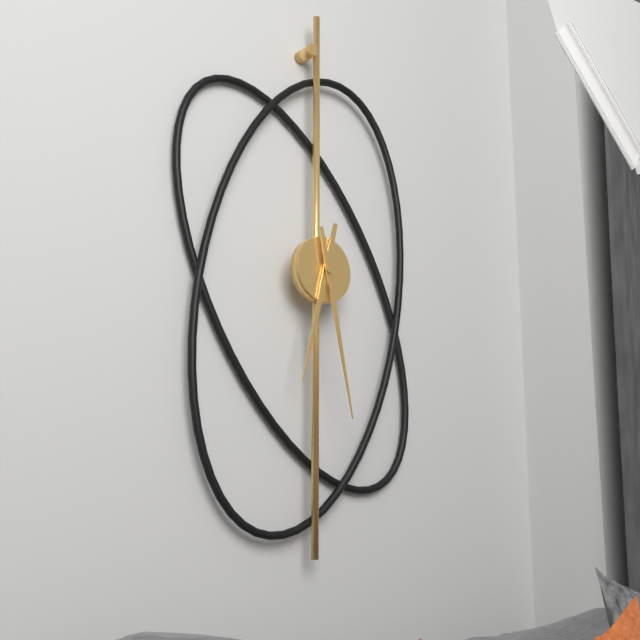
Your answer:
**6:28**
